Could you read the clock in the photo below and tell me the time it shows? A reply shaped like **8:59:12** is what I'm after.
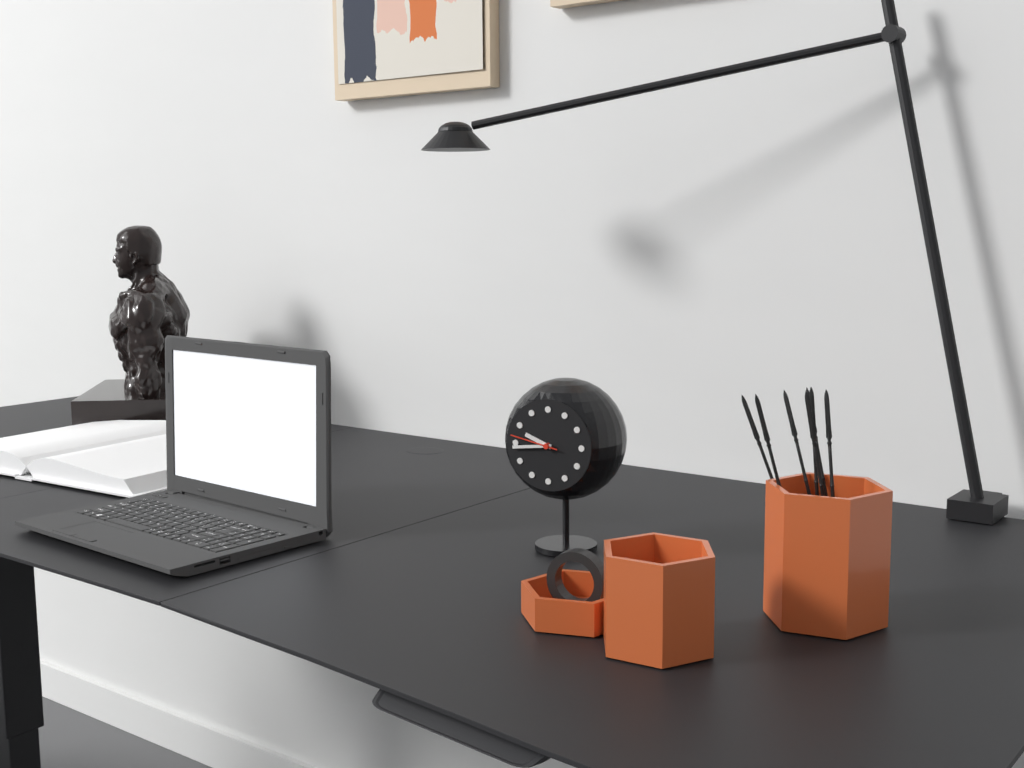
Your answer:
**9:44:47**
